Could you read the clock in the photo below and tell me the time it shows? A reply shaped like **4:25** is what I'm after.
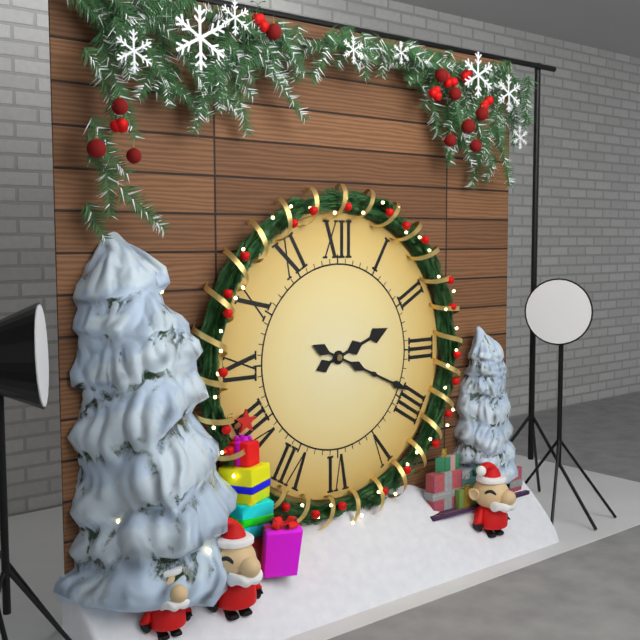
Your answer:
**2:19**
